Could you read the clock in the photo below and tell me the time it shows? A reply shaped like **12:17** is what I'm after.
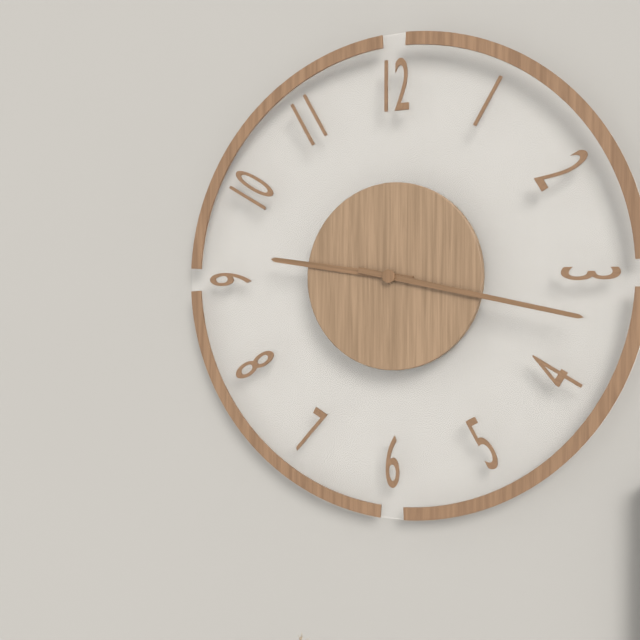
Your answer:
**9:17**
